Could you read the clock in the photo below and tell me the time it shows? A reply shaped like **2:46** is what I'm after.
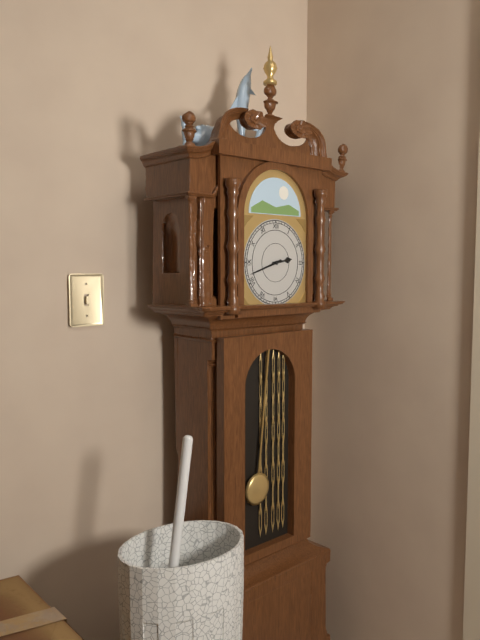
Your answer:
**2:42**
